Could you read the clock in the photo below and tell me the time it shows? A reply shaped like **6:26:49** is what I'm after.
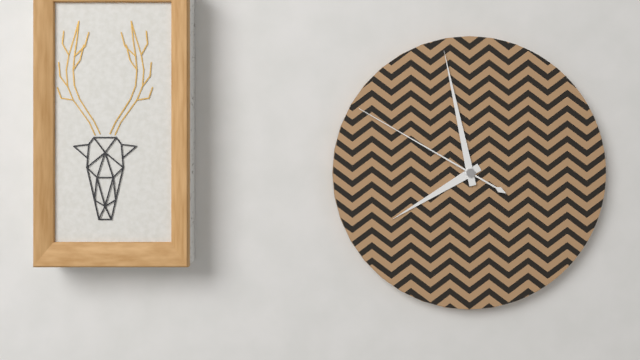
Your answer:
**7:58:50**
